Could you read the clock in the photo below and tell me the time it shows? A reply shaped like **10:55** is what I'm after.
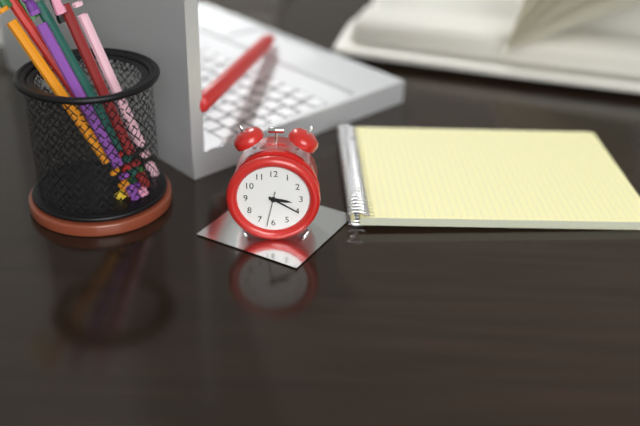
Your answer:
**3:20**
